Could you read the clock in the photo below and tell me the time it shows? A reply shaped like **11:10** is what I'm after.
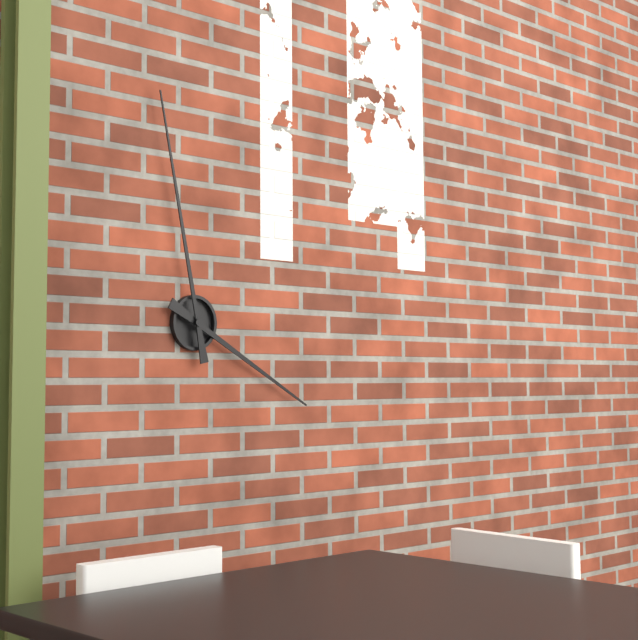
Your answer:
**3:58**
